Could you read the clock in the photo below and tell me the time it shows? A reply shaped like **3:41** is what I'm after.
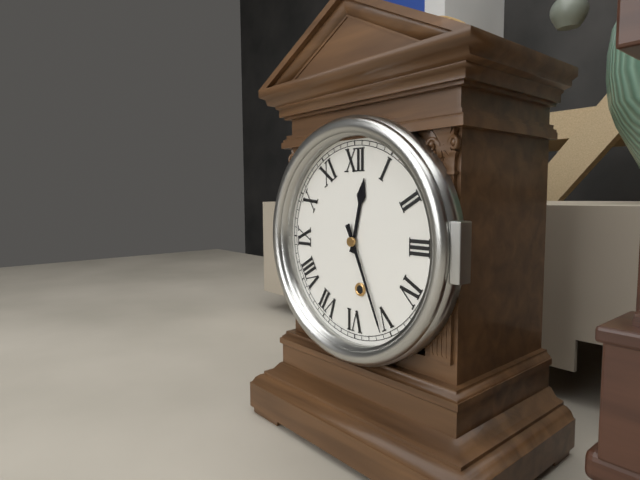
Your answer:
**12:26**
